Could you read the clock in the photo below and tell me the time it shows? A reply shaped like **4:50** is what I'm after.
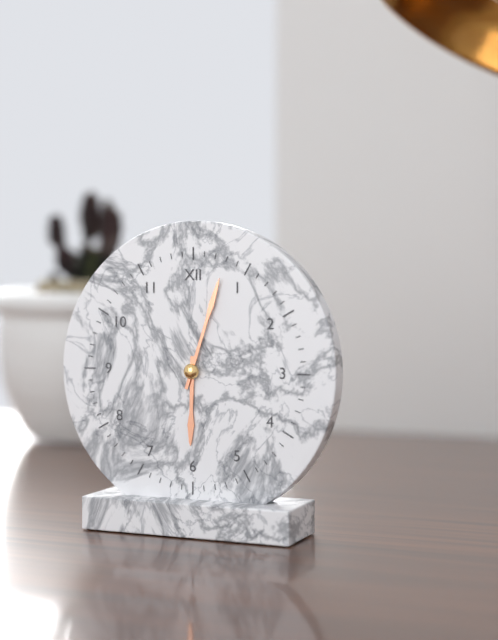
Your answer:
**6:03**
